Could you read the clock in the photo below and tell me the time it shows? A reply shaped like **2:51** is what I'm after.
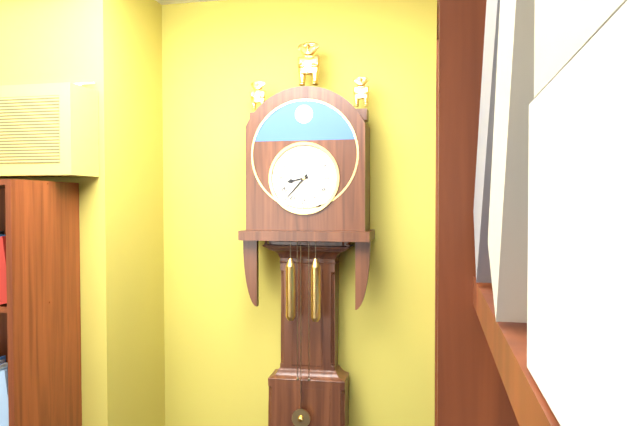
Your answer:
**8:37**
